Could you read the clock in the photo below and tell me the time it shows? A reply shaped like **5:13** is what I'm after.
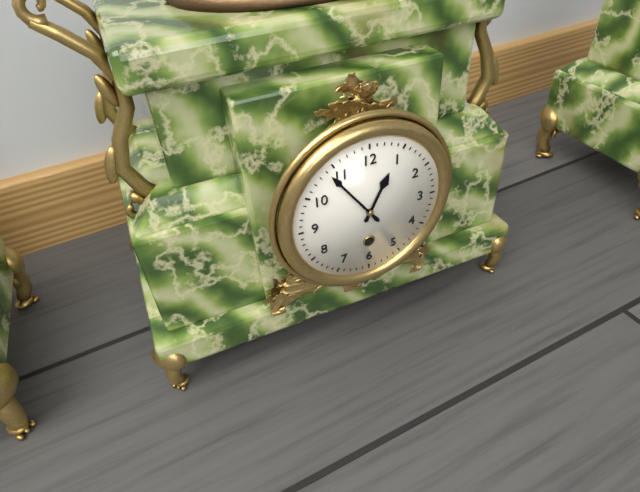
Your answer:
**12:54**
